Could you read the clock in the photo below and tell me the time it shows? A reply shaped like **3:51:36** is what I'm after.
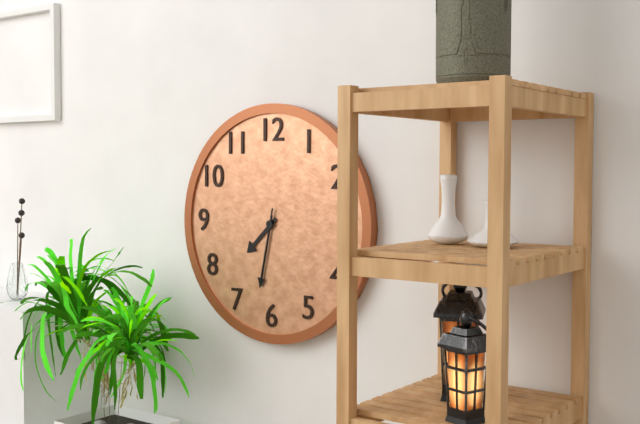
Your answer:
**7:32:32**
